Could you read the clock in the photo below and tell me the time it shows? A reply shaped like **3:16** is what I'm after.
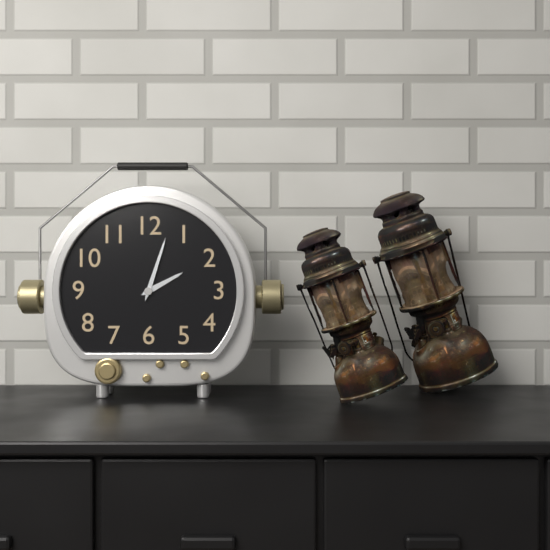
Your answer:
**2:03**
